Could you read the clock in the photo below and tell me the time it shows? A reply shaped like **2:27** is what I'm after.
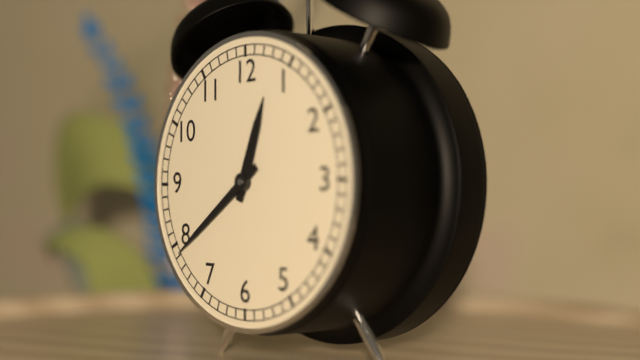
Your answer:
**12:39**
